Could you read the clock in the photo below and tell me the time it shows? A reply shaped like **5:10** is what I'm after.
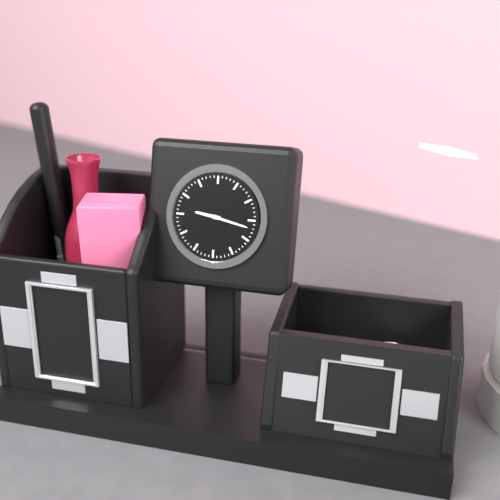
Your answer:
**9:17**
